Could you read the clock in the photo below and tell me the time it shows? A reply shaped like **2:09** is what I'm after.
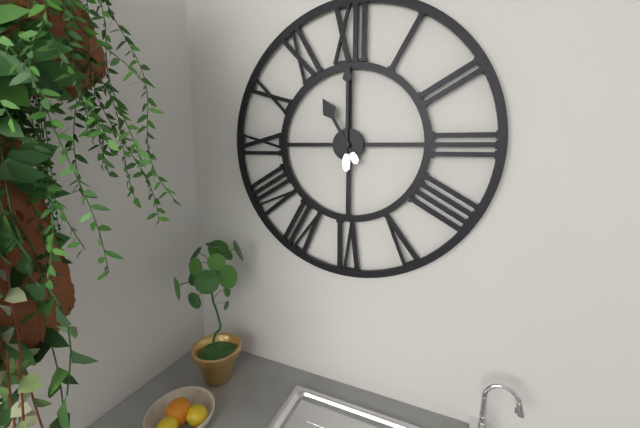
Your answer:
**11:00**
